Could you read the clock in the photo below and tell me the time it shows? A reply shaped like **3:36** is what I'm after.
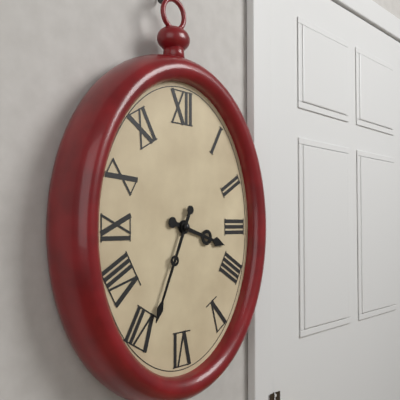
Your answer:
**3:34**
